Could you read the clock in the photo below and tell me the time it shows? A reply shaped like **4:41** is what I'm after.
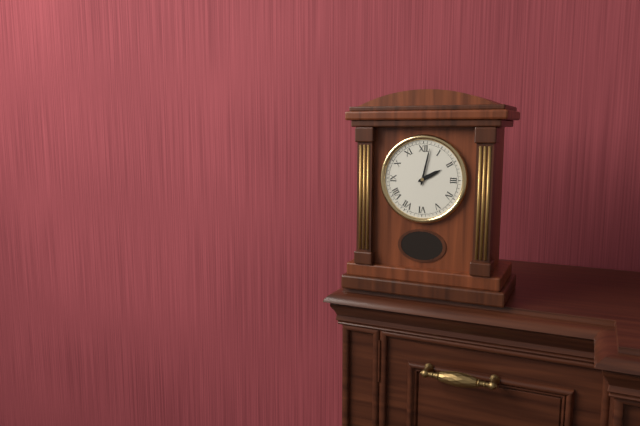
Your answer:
**2:02**
